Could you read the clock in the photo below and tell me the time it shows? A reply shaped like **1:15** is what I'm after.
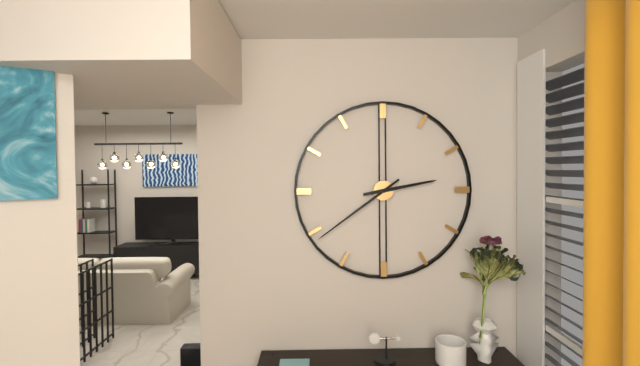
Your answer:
**2:39**
